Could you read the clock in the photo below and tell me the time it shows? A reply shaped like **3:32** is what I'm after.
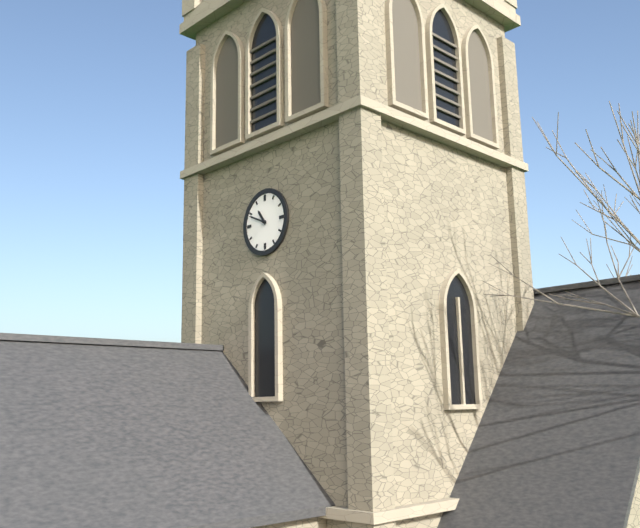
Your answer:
**10:49**
